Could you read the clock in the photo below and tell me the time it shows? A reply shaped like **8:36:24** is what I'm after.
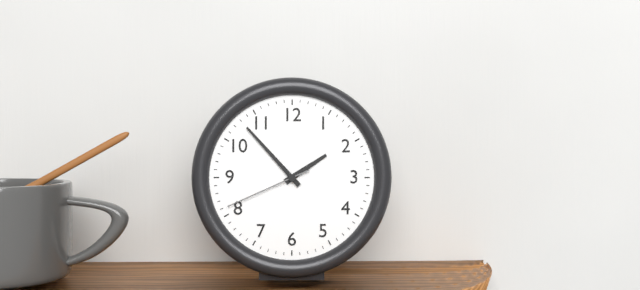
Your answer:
**1:53:41**
